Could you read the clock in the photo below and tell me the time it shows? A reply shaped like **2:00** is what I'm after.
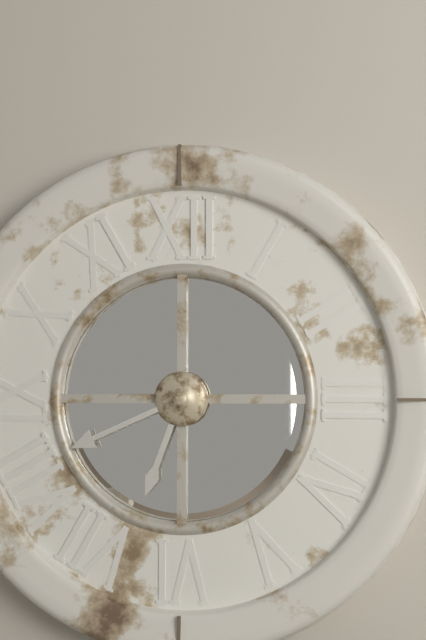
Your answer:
**6:41**
